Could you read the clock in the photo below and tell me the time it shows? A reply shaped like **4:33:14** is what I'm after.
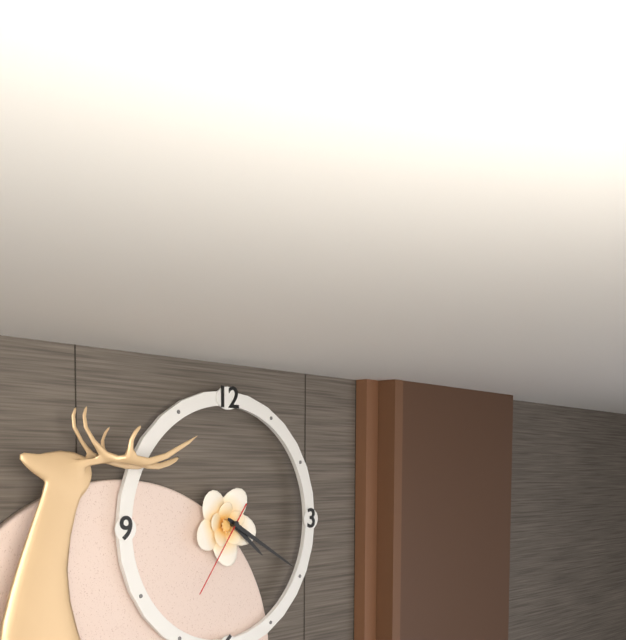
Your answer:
**4:20:36**
